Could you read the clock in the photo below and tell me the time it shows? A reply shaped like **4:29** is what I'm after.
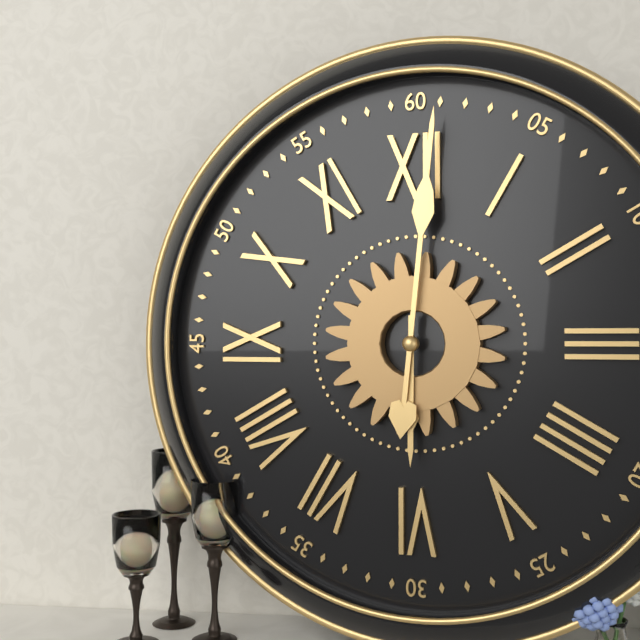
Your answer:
**6:01**
